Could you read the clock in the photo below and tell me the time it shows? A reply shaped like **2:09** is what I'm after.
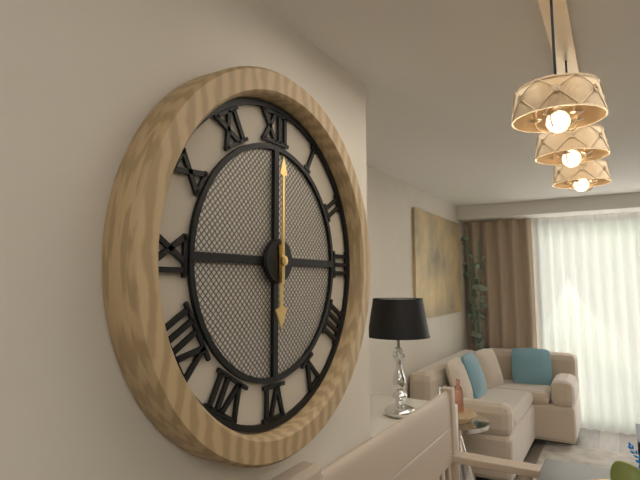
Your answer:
**6:00**
